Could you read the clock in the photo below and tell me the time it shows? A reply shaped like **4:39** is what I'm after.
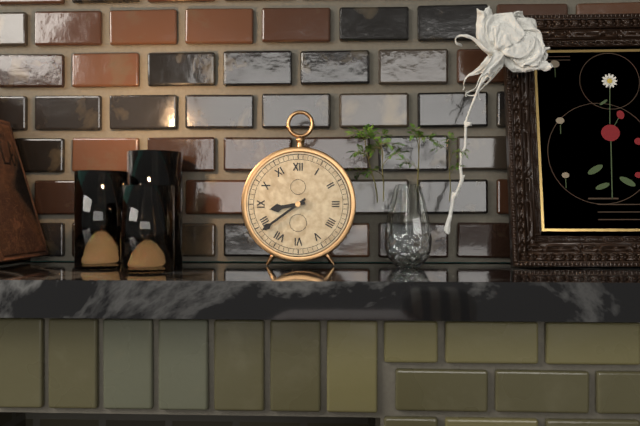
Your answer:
**8:39**
